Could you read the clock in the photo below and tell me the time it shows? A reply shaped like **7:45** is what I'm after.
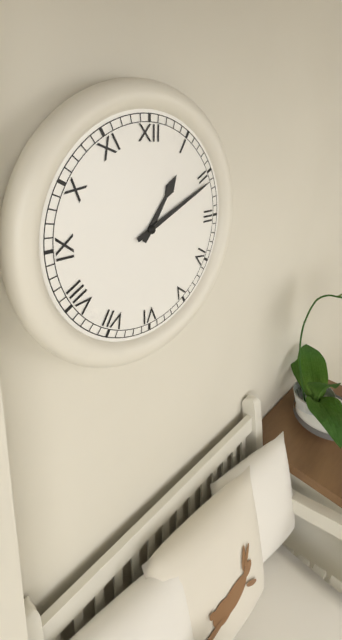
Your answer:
**1:11**
